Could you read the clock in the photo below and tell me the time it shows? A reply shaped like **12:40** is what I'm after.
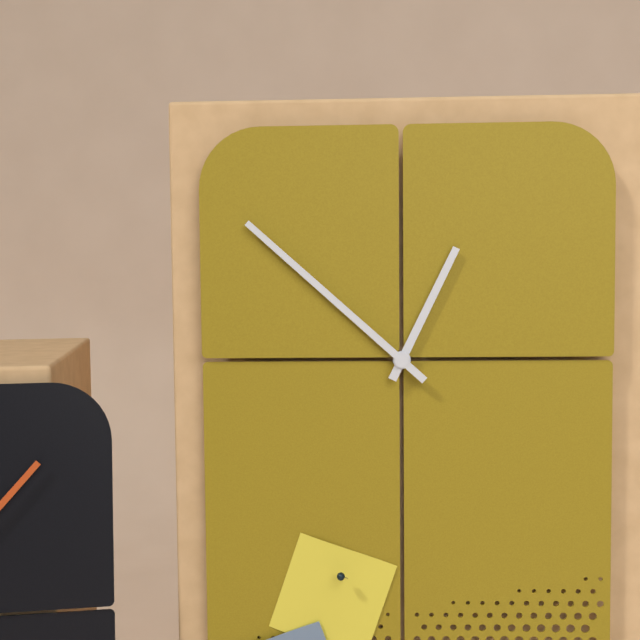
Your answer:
**12:52**
